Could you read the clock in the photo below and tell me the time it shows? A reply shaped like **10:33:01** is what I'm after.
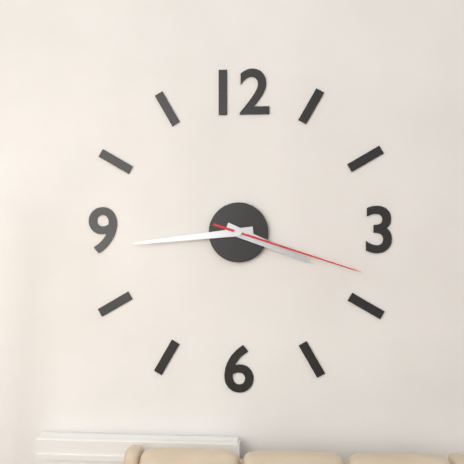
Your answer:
**3:44:18**
